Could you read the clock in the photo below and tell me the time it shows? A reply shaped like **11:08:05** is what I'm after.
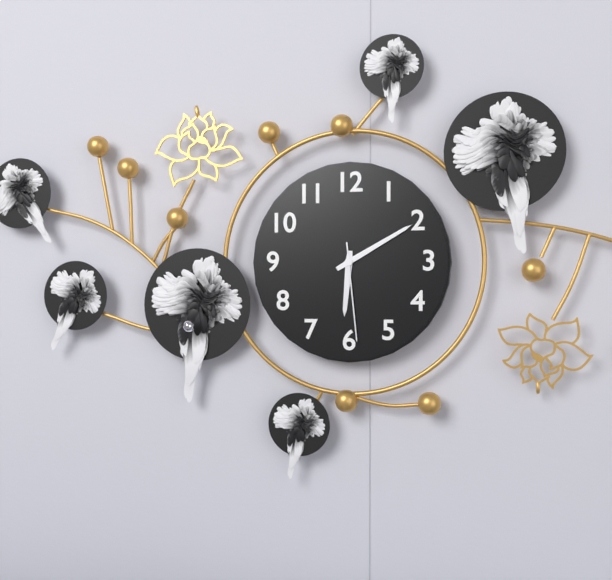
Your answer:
**6:10:29**
